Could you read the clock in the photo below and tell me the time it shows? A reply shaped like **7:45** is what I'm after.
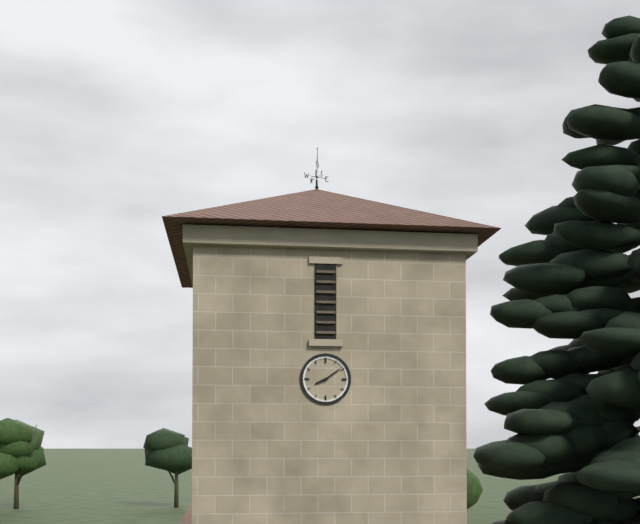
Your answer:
**8:09**
